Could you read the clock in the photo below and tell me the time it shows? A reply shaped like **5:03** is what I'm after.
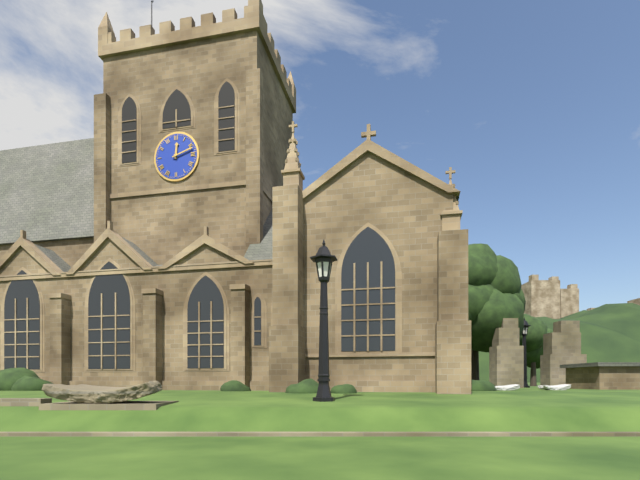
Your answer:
**12:12**
